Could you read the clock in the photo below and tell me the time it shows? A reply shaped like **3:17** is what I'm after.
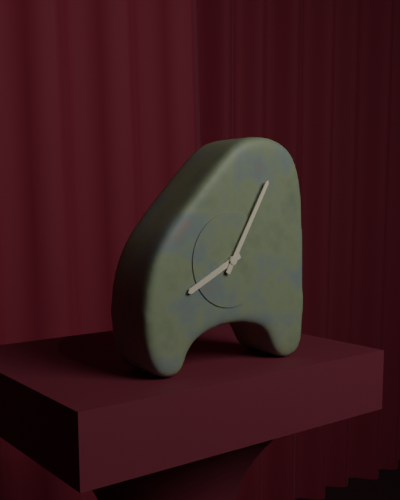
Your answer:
**8:05**
